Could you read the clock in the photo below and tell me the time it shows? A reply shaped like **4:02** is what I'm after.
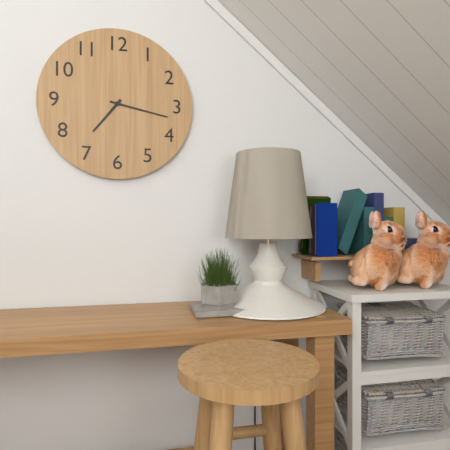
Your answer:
**7:17**
